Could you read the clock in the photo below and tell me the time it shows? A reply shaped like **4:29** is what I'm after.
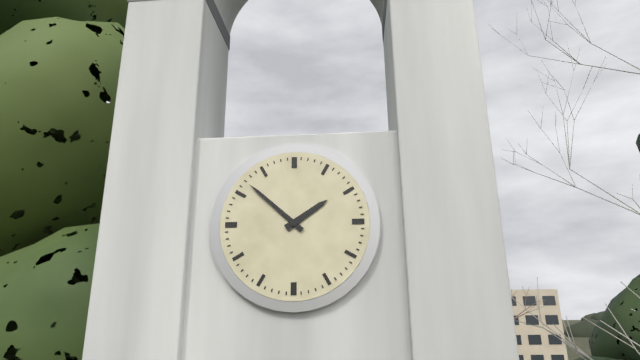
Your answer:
**1:52**
